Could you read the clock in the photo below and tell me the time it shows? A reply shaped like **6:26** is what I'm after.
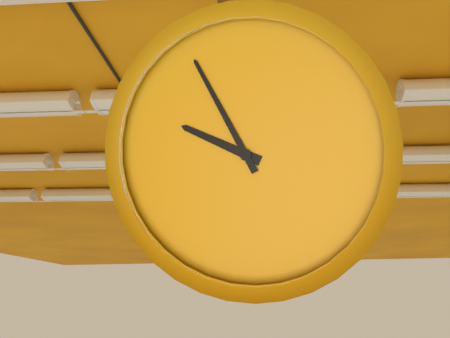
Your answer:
**9:56**
